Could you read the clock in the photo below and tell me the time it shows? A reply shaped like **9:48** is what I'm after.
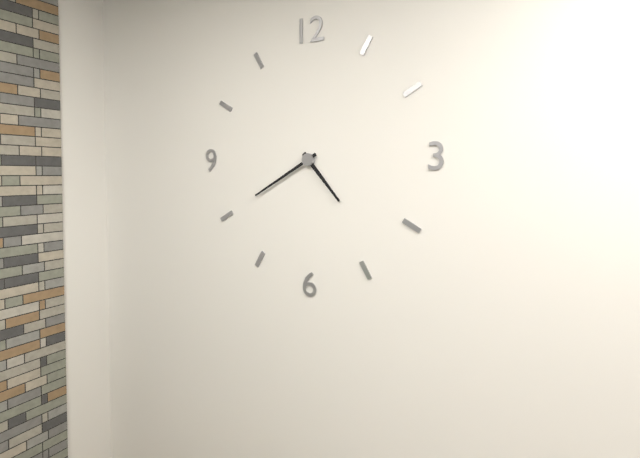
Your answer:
**4:40**
